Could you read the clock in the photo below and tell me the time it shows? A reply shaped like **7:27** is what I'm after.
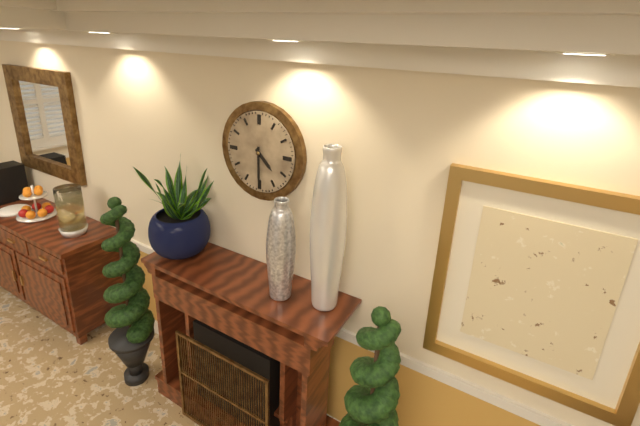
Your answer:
**4:30**
